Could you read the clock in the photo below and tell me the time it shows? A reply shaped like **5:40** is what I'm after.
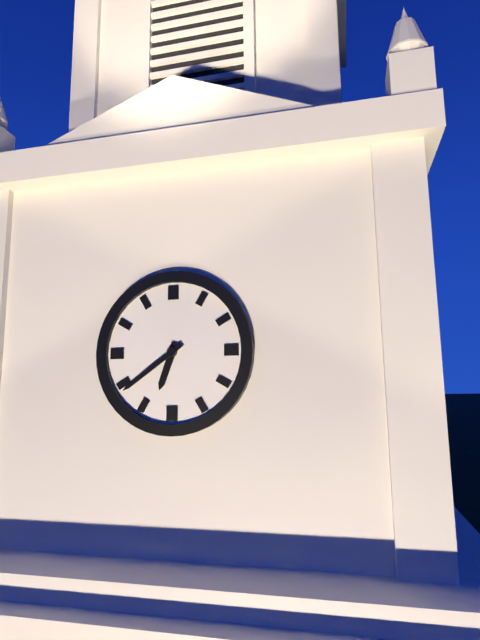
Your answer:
**6:39**
